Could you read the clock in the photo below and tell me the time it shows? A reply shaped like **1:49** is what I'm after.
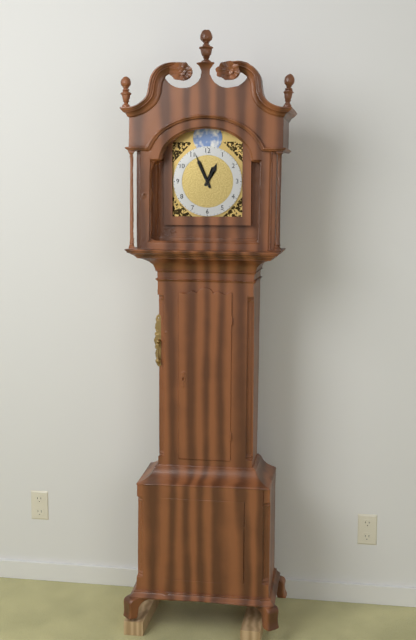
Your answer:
**12:56**
